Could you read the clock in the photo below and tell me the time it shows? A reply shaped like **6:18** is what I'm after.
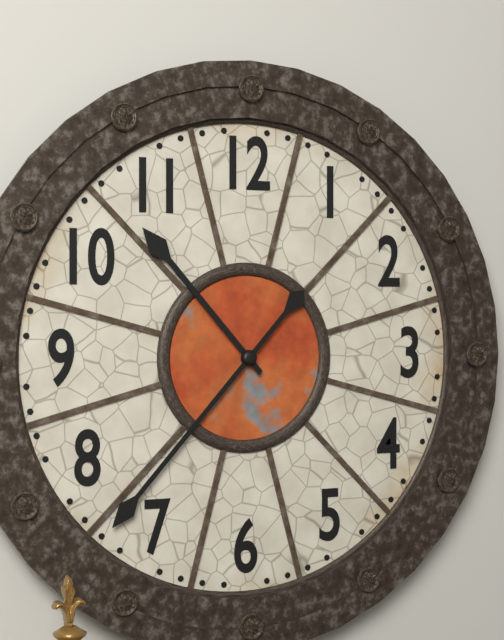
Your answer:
**10:37**
